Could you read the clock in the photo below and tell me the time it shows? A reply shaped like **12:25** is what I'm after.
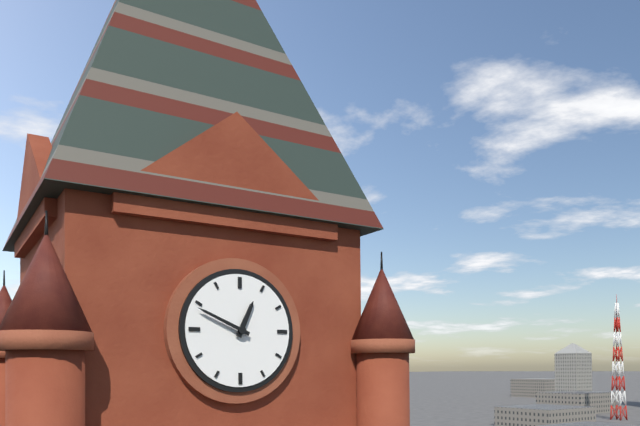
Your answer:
**12:49**
